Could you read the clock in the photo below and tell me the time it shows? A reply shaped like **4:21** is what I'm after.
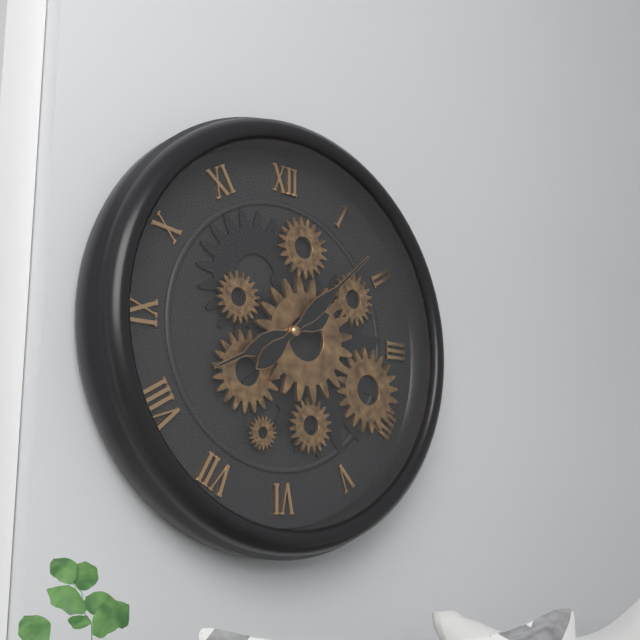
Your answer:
**8:08**
